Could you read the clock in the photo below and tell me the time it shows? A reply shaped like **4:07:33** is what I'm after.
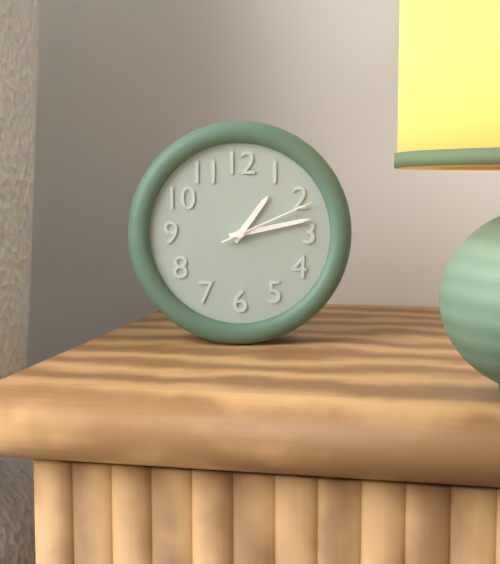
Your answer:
**1:13:11**
